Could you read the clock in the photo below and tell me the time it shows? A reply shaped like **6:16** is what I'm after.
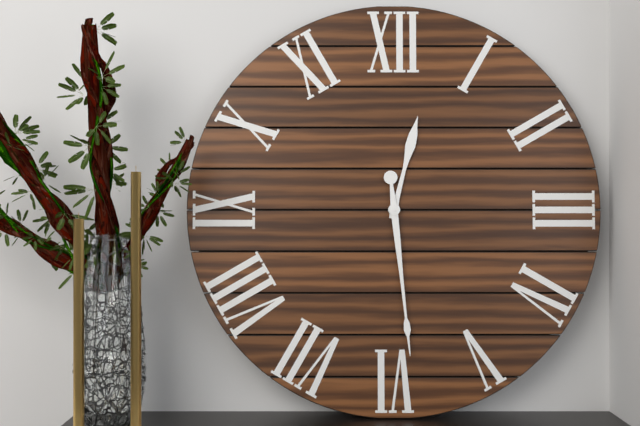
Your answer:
**12:29**
